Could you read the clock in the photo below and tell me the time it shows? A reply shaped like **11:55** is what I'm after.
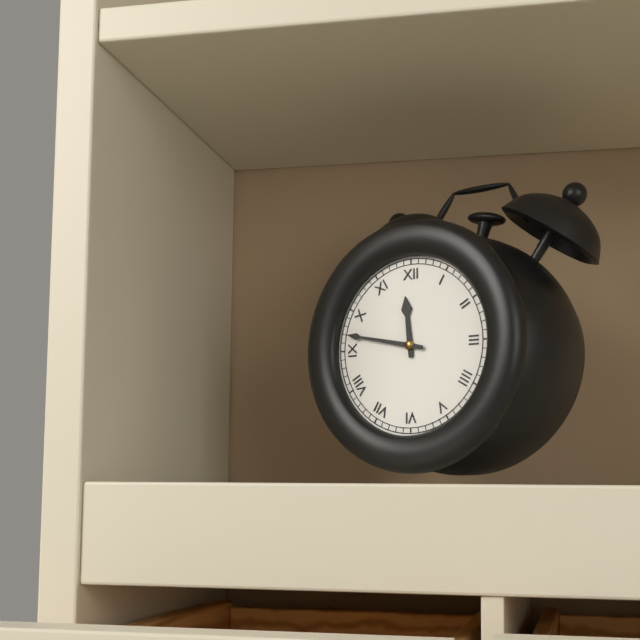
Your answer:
**11:47**
